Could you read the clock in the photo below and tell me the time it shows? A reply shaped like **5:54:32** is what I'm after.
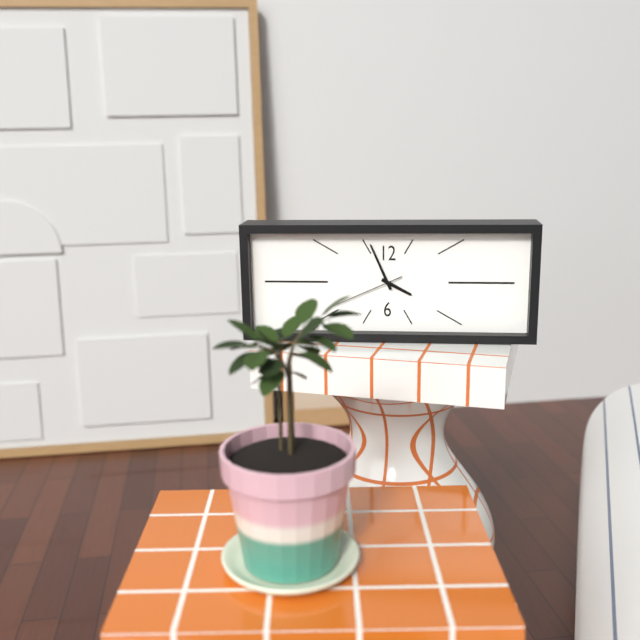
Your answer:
**3:56:41**
